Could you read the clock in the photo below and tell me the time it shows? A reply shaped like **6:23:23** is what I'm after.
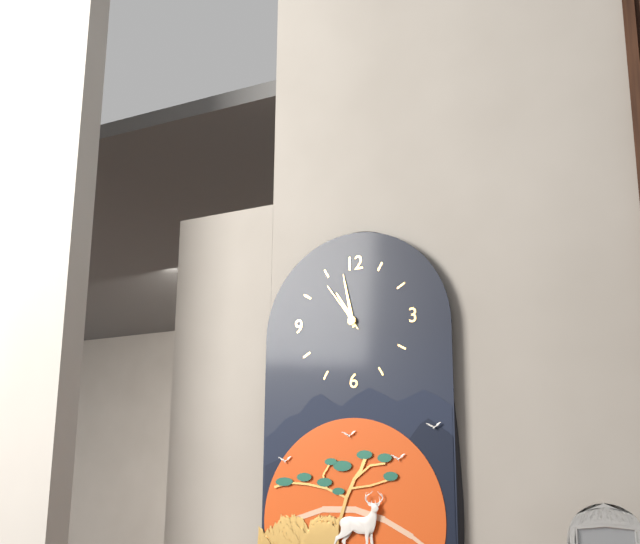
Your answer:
**10:58:54**
